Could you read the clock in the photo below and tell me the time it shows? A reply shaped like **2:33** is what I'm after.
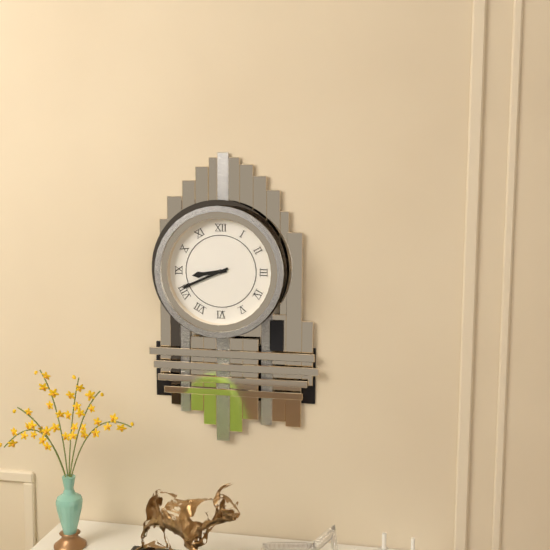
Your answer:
**8:41**
